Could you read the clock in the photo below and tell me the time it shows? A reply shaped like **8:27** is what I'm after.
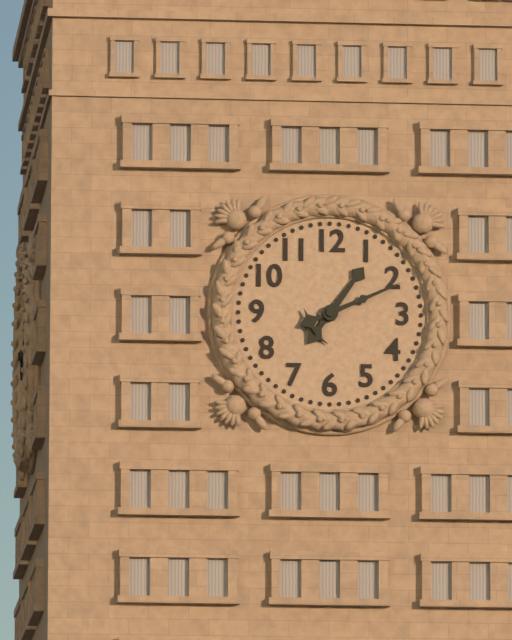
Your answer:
**1:11**
